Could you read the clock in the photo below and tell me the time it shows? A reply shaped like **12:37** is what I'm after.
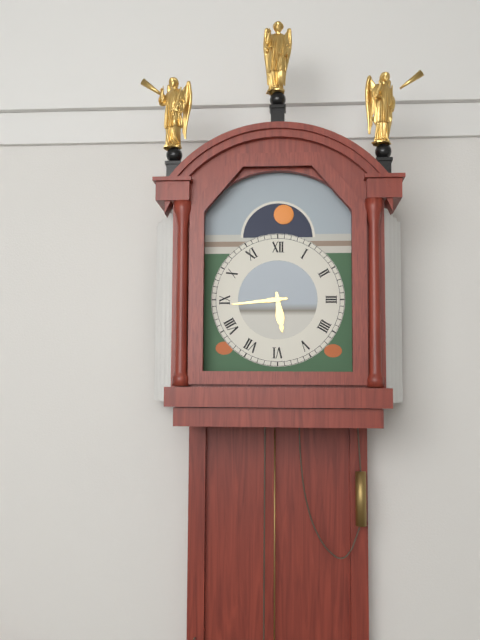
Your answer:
**5:44**
